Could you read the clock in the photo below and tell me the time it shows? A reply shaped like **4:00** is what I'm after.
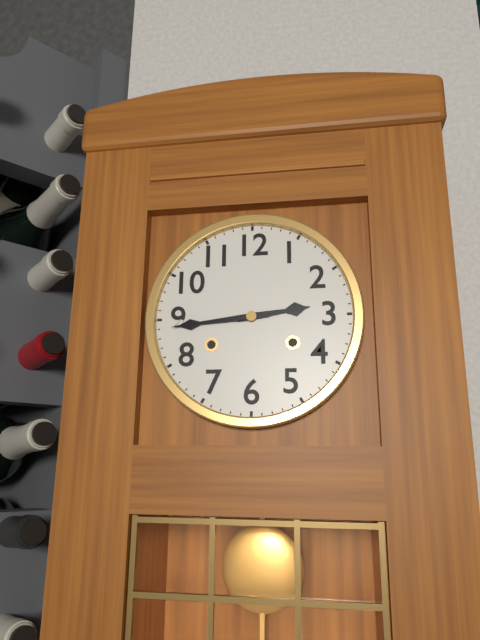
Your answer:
**2:44**
